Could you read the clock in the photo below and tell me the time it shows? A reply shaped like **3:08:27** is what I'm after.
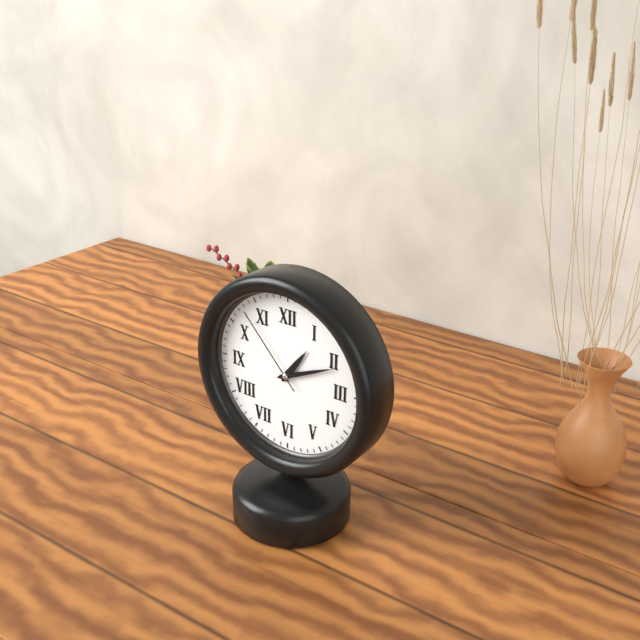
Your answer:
**1:11:53**
